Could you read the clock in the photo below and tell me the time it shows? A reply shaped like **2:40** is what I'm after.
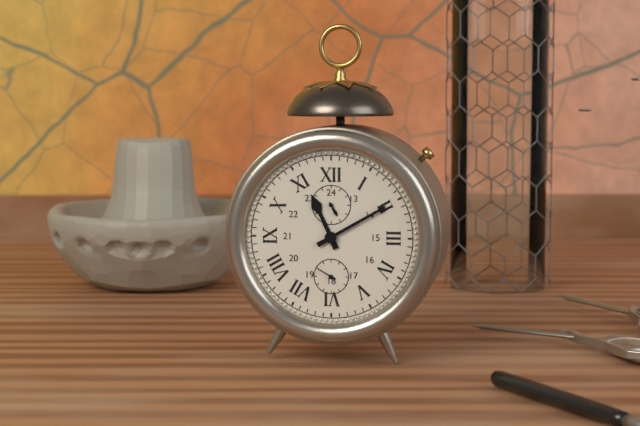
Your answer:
**11:10**
